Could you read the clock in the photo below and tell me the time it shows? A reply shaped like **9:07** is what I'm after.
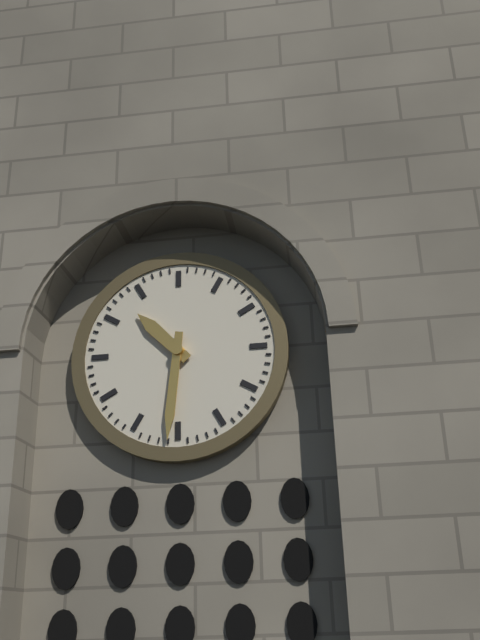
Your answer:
**10:31**
